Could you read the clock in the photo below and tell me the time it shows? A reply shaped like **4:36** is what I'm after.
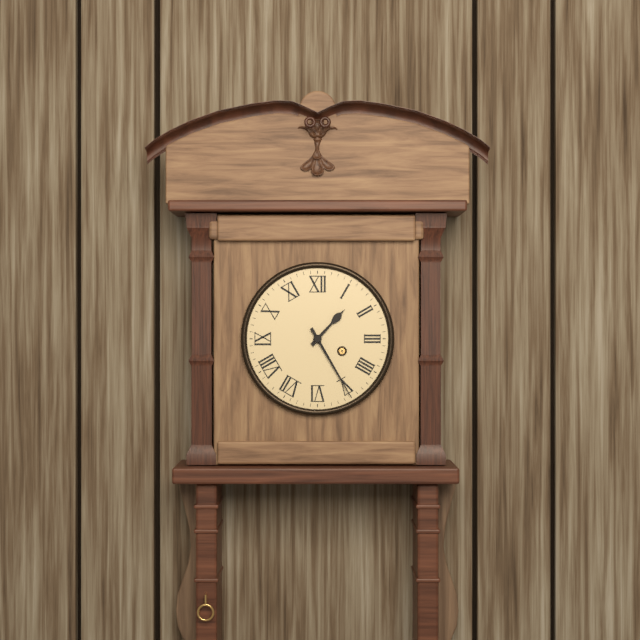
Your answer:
**1:25**
